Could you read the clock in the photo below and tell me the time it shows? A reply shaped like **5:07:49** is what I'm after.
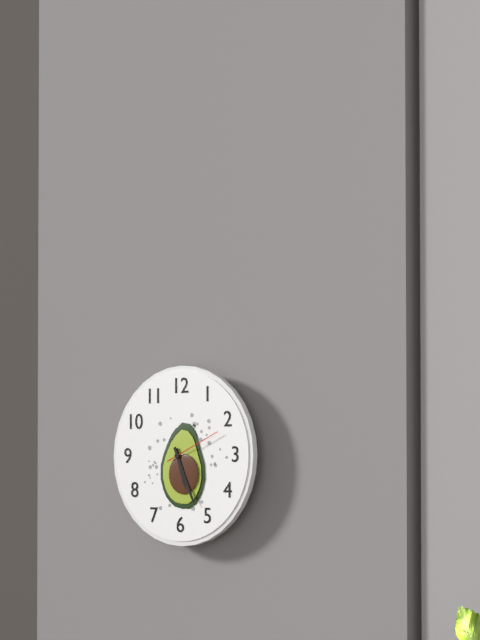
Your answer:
**5:26:11**
